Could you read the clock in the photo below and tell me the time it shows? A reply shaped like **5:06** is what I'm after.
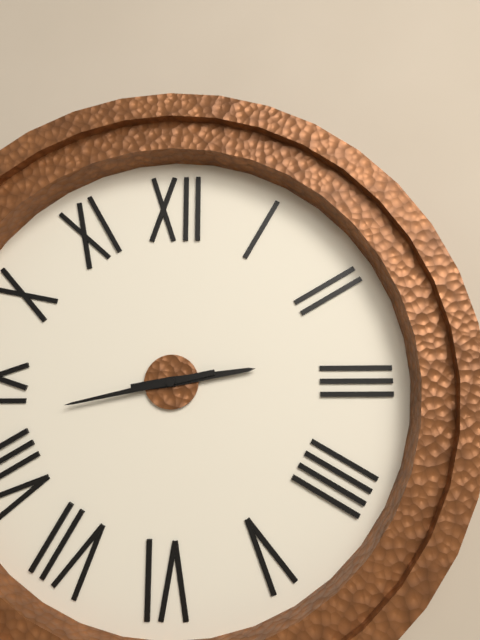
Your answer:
**2:43**
